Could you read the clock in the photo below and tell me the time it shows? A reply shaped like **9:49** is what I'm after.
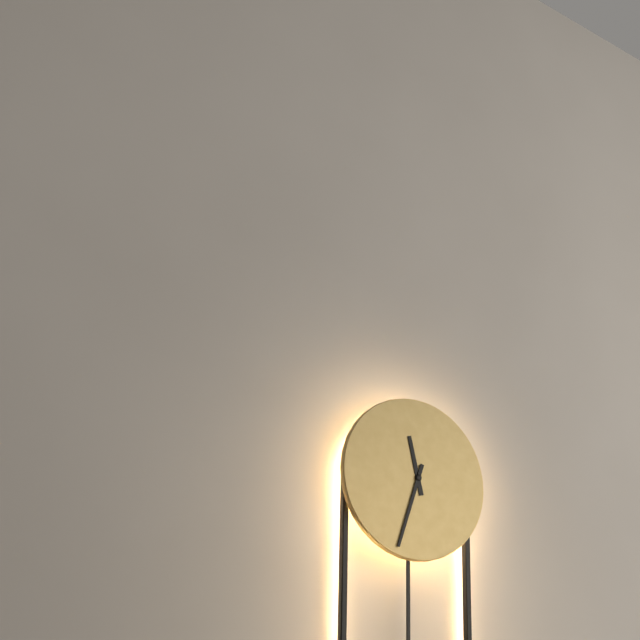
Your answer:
**11:33**
